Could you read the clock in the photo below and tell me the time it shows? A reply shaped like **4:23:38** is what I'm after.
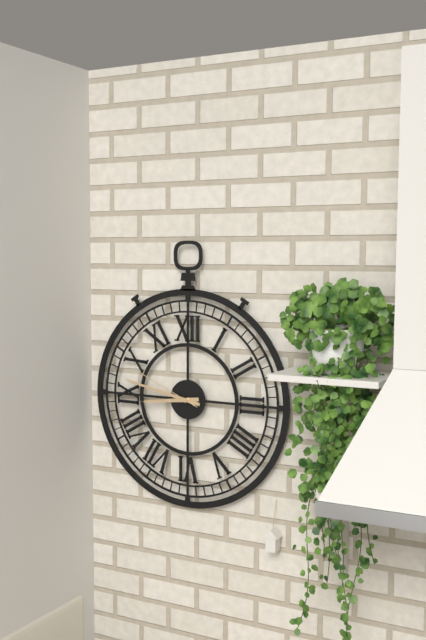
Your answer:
**8:47:49**
